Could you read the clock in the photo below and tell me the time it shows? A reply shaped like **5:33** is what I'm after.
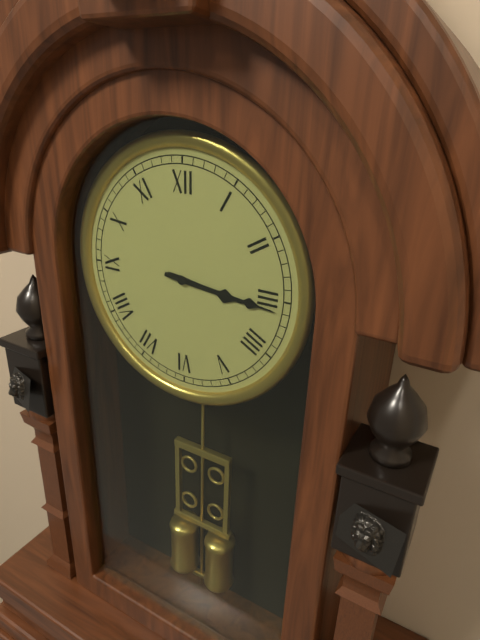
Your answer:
**3:16**
